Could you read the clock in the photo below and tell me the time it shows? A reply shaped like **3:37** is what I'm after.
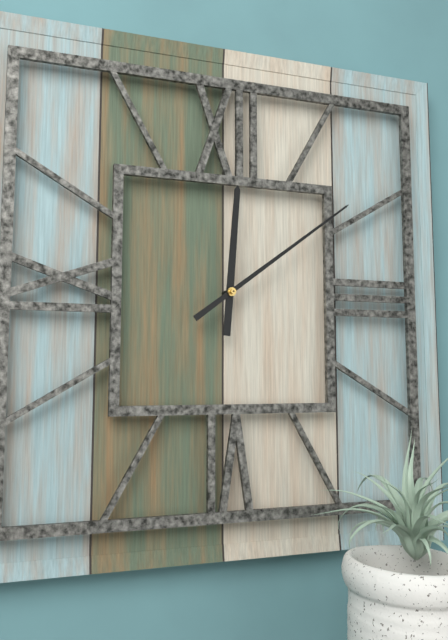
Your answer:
**12:09**
